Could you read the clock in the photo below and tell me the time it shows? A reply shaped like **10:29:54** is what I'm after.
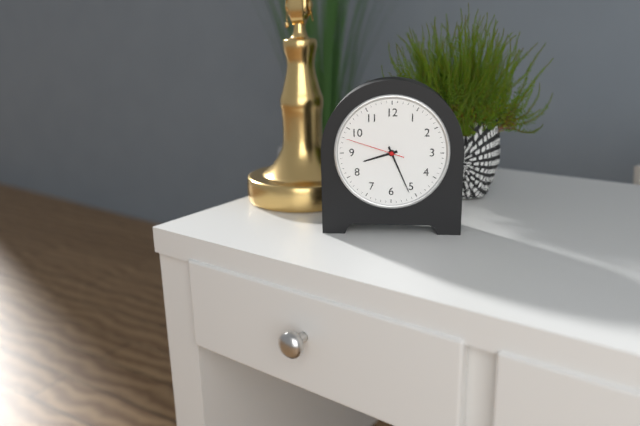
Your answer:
**8:26:48**
